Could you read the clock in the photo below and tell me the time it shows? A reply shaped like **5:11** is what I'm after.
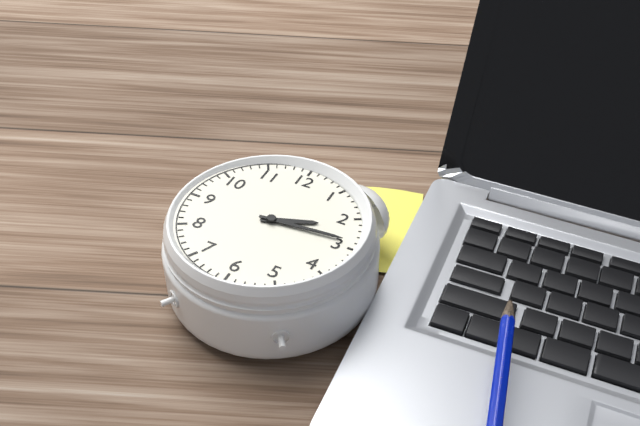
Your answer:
**2:14**
